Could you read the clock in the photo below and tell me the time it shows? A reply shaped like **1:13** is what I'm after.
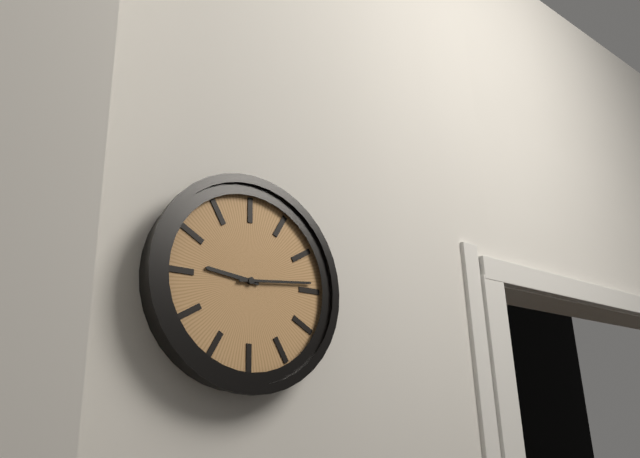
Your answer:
**9:14**
